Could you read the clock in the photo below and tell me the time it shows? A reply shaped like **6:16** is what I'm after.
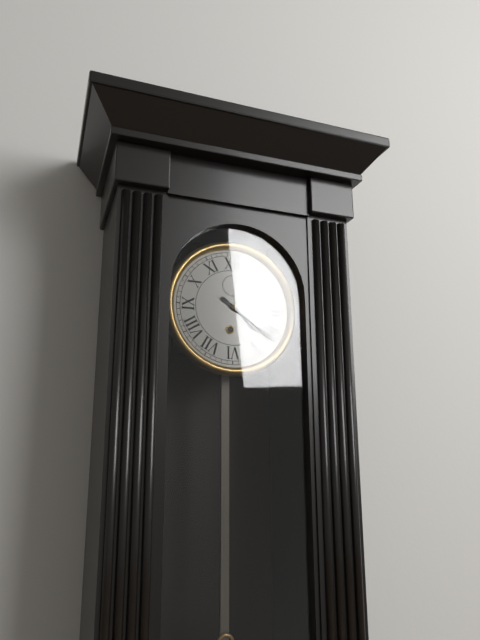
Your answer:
**4:21**
